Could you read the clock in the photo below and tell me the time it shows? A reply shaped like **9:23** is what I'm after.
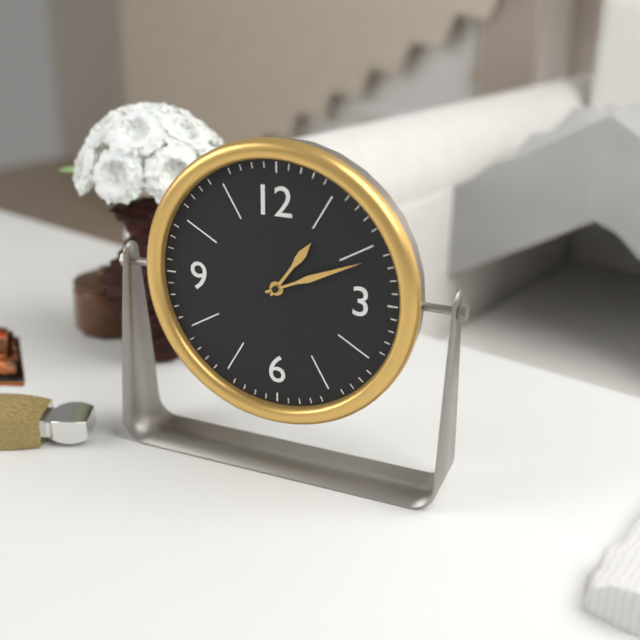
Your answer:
**1:11**
